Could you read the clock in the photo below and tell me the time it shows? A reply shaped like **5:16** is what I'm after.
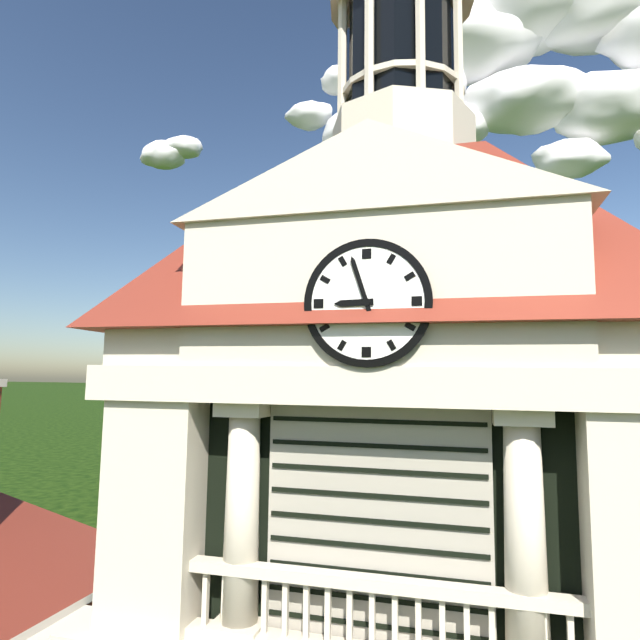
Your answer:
**8:57**
